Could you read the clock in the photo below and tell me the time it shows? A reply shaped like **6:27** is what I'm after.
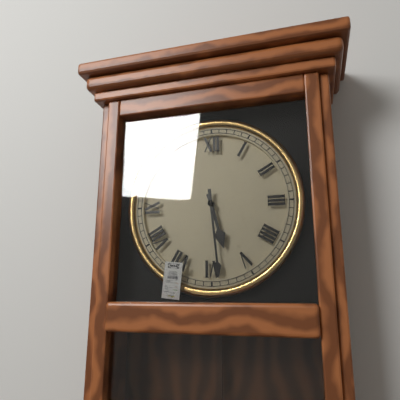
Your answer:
**5:29**
